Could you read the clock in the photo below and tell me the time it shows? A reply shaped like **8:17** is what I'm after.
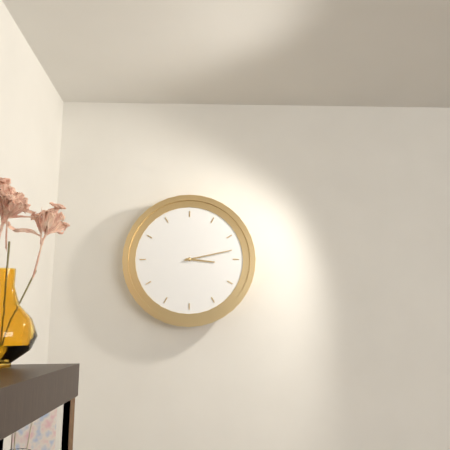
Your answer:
**3:13**
